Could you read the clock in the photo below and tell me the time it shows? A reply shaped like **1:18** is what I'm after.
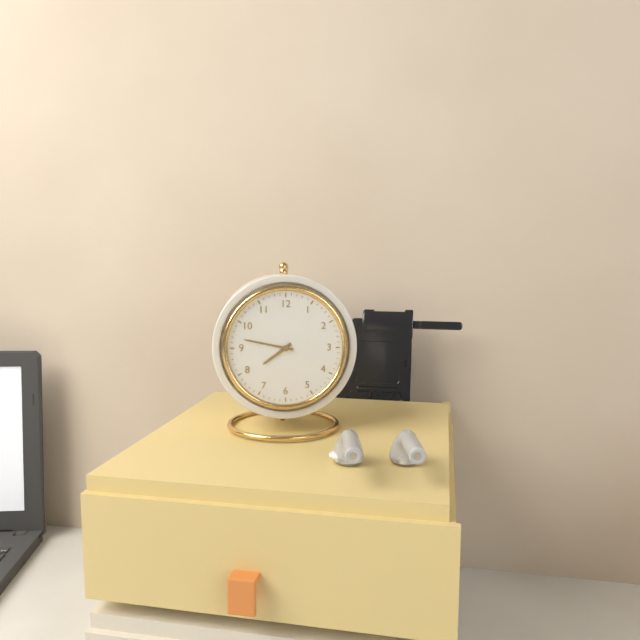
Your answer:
**7:47**
